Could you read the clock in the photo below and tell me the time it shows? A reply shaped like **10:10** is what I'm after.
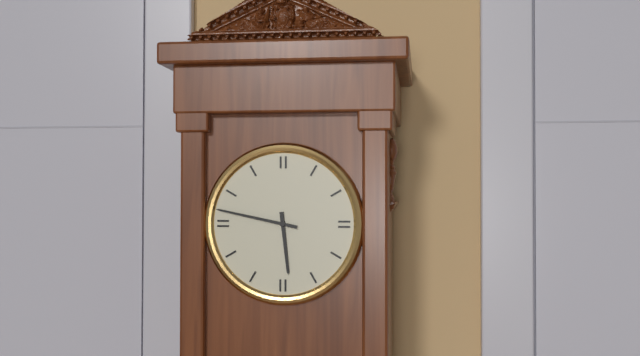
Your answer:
**5:47**
